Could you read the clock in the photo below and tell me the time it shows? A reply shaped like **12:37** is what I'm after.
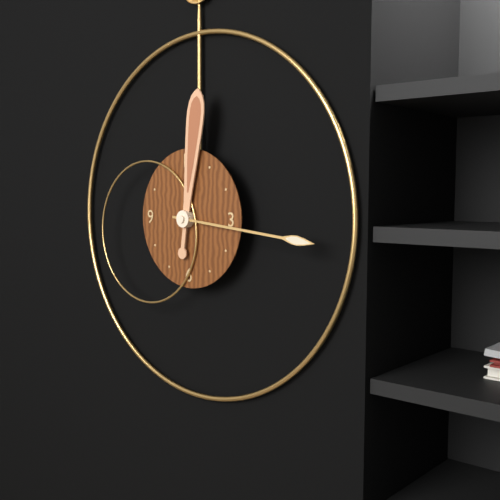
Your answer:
**12:16**
